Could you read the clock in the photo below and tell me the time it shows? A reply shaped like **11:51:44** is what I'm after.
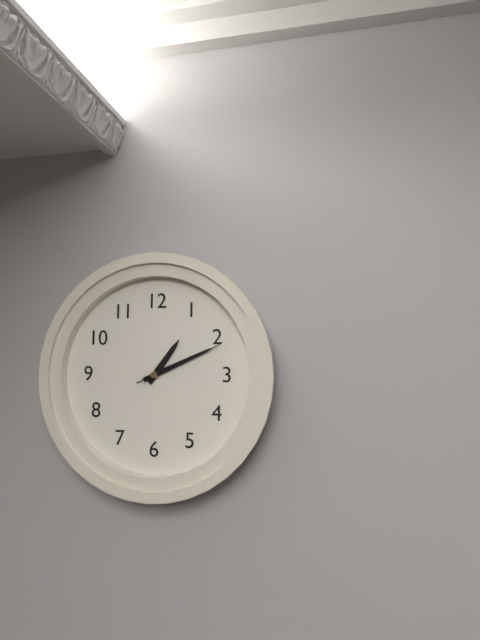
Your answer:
**1:11:11**
